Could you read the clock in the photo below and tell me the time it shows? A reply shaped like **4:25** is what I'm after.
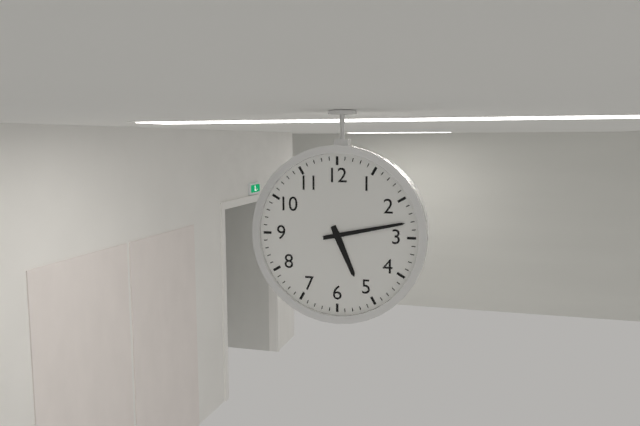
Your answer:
**5:13**
